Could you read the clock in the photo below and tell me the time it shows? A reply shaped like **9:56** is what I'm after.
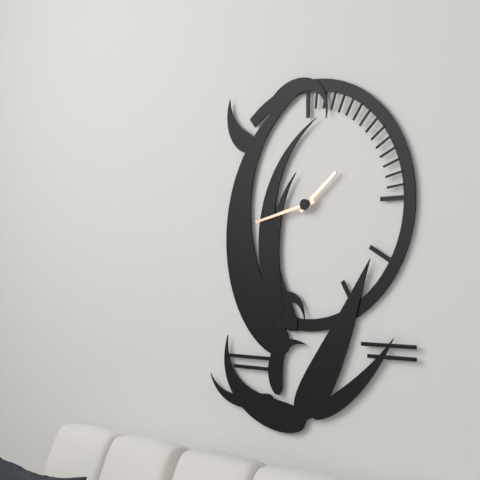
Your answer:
**1:43**
